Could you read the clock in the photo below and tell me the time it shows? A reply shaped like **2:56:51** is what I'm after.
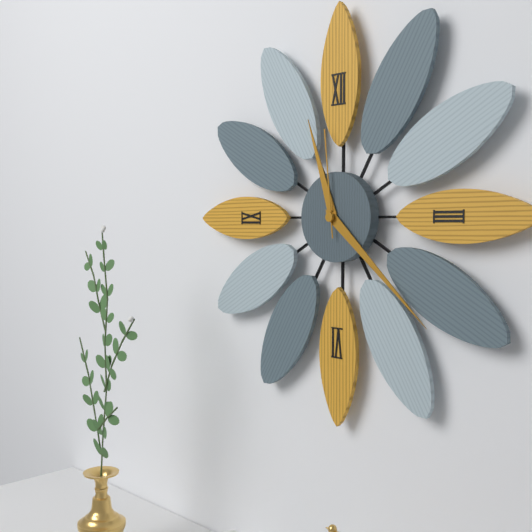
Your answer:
**11:22:59**
